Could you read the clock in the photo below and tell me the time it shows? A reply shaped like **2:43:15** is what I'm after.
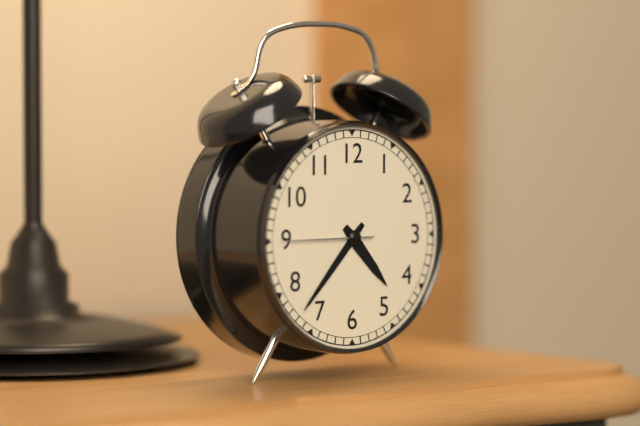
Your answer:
**4:37:45**
